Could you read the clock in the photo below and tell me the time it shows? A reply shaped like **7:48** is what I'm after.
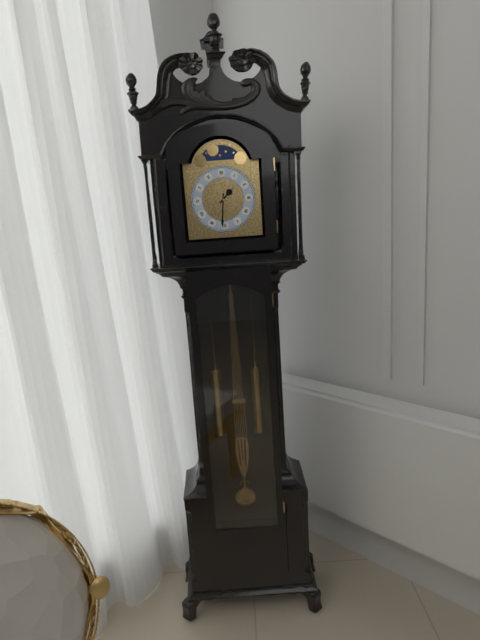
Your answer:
**1:31**
